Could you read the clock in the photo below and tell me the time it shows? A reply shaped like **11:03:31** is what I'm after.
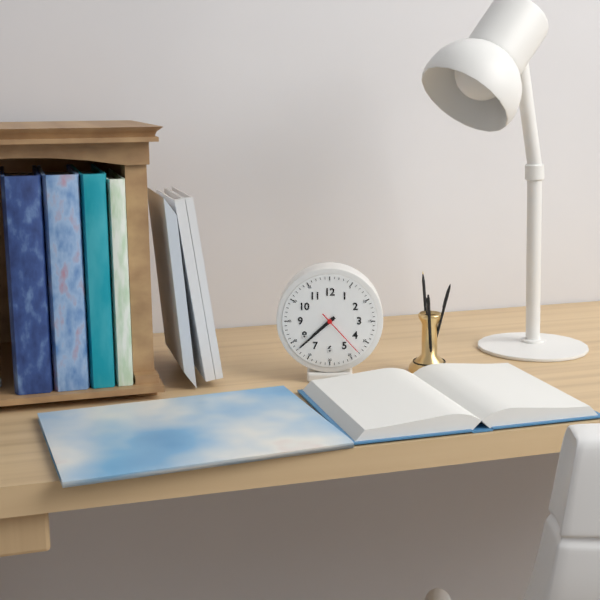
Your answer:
**7:38:23**
